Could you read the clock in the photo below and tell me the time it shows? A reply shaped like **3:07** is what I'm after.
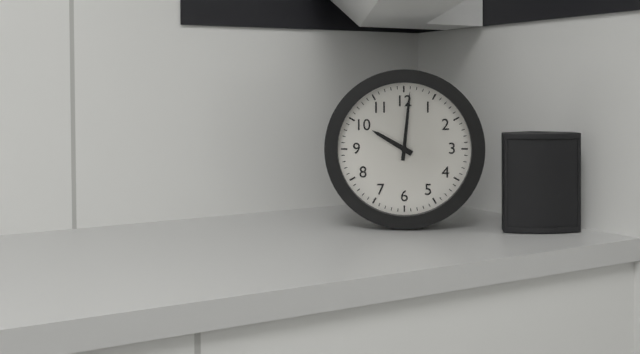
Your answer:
**10:01**
